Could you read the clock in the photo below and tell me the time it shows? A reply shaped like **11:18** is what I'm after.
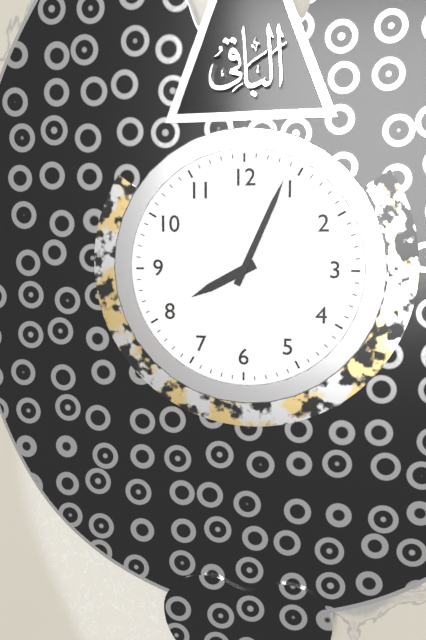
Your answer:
**8:04**
